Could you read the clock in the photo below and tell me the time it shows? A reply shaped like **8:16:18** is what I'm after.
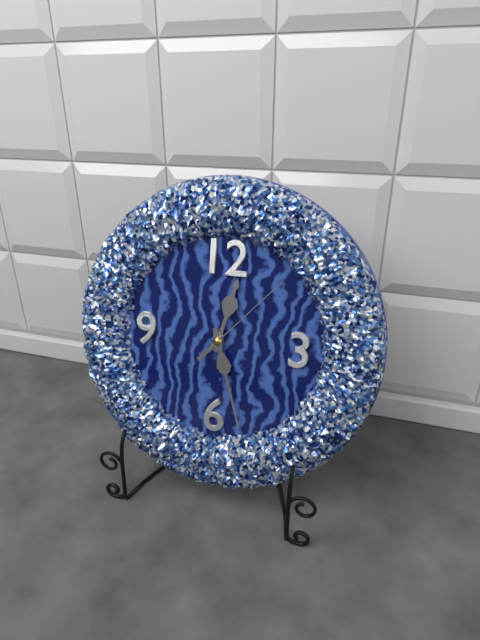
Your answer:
**12:27:07**
